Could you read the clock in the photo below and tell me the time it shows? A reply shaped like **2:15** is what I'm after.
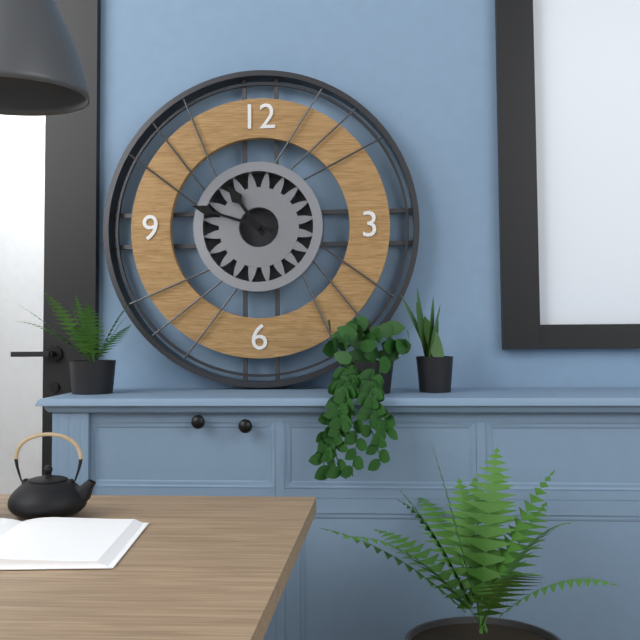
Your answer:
**10:48**
